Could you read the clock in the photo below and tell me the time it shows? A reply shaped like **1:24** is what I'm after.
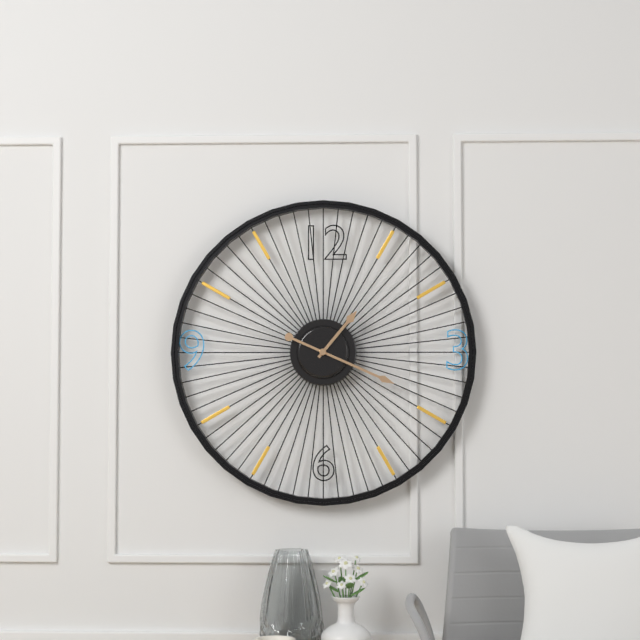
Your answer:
**1:19**
